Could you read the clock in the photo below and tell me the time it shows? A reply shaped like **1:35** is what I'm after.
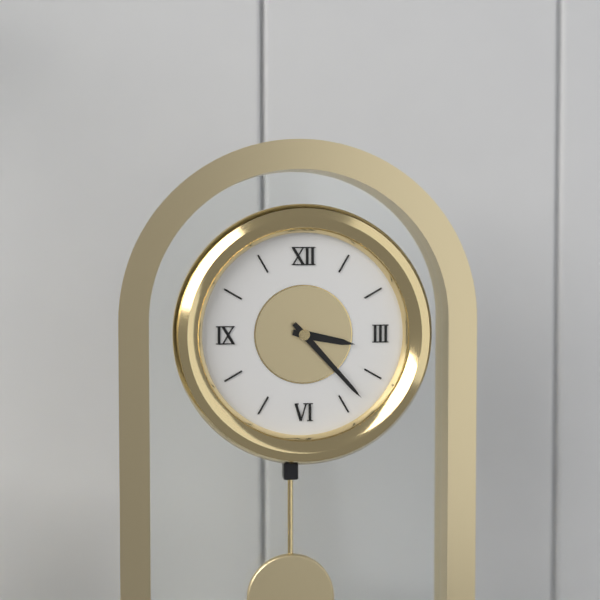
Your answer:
**3:23**
